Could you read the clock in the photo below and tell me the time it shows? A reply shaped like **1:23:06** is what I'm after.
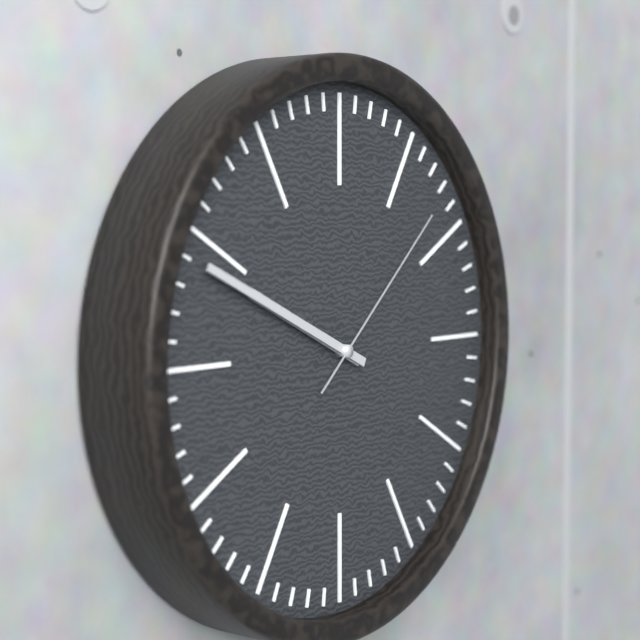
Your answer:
**9:49:08**
